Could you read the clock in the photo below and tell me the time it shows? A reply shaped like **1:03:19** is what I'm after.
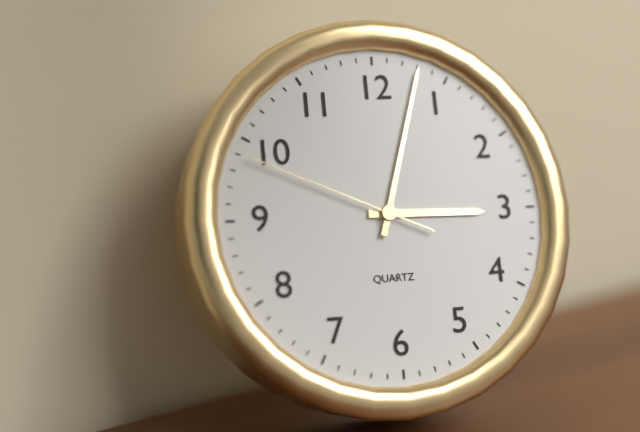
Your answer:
**3:03:49**
